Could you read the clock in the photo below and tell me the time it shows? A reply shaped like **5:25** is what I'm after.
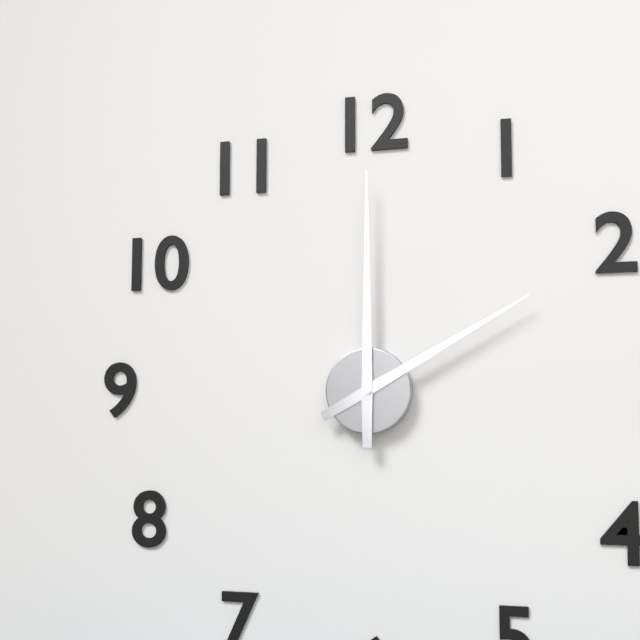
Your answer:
**2:00**
